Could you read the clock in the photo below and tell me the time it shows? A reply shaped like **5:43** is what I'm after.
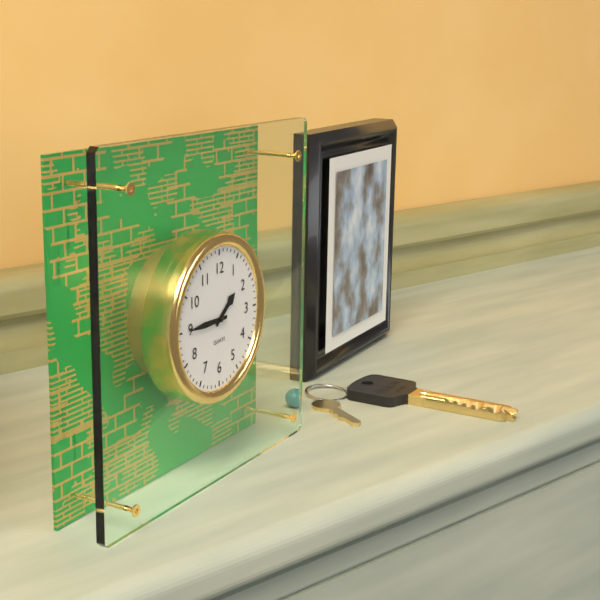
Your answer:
**1:45**
